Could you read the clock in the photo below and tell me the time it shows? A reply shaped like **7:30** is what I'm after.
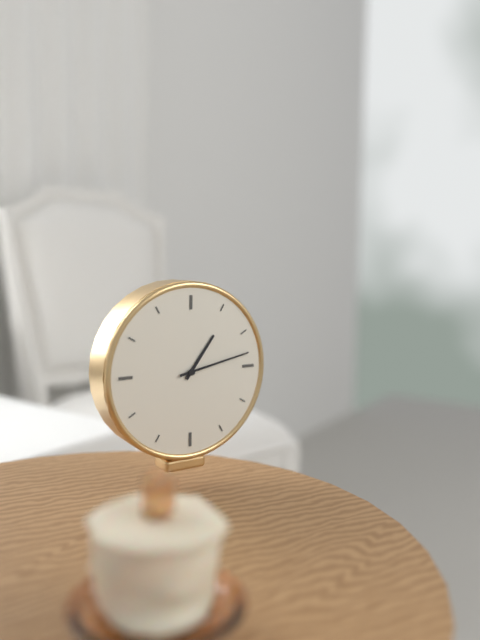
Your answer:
**1:13**
